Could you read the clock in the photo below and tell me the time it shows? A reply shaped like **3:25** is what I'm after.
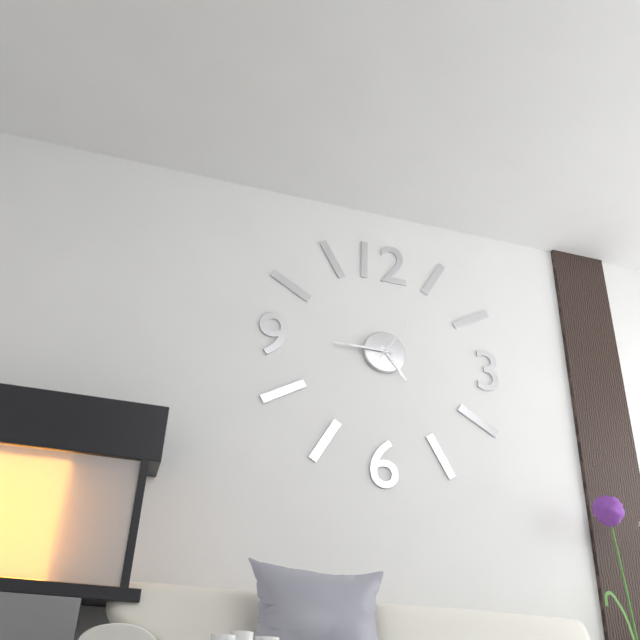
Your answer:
**4:45**
